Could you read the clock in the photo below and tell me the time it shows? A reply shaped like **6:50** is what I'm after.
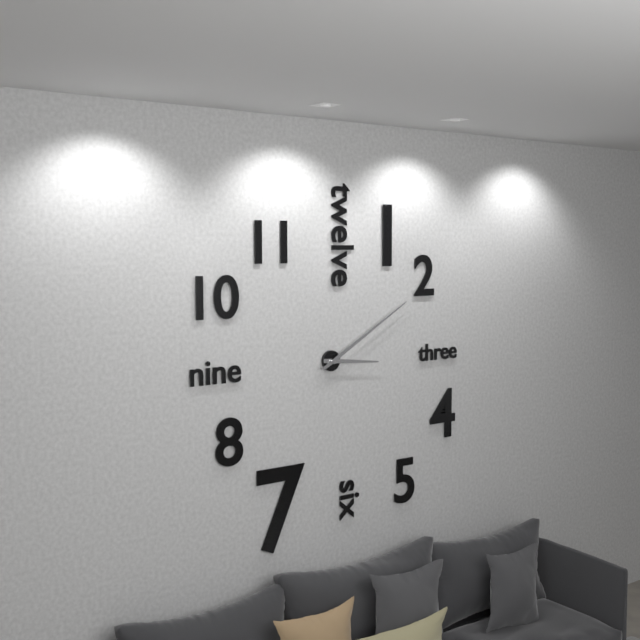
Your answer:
**3:10**
